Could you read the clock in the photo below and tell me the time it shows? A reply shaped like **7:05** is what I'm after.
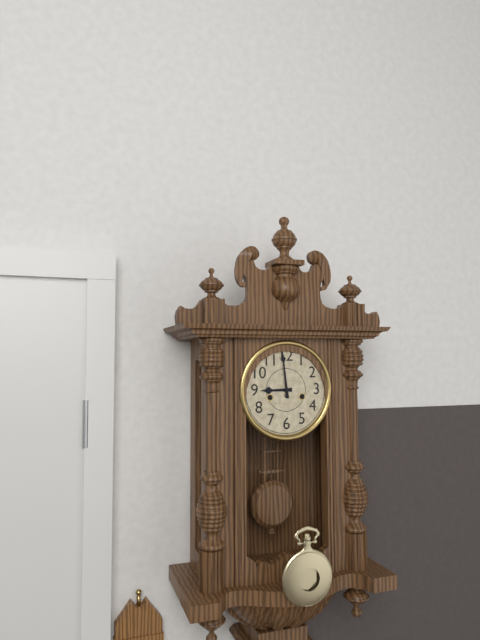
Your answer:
**8:59**
